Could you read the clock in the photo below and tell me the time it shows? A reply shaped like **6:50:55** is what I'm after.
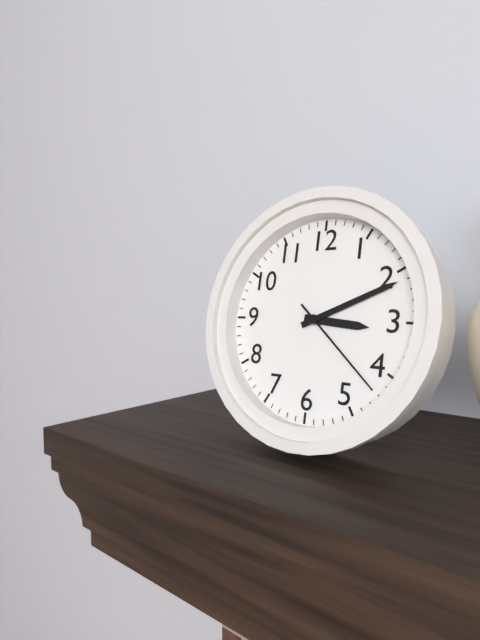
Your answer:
**3:11:22**
